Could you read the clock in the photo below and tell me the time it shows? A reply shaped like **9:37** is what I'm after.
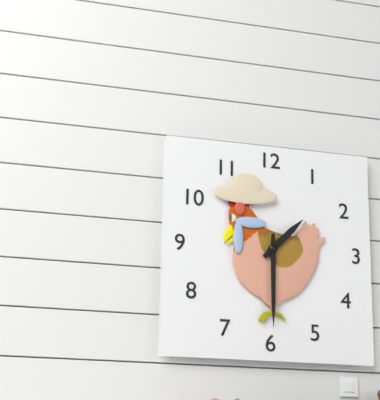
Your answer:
**1:30**
